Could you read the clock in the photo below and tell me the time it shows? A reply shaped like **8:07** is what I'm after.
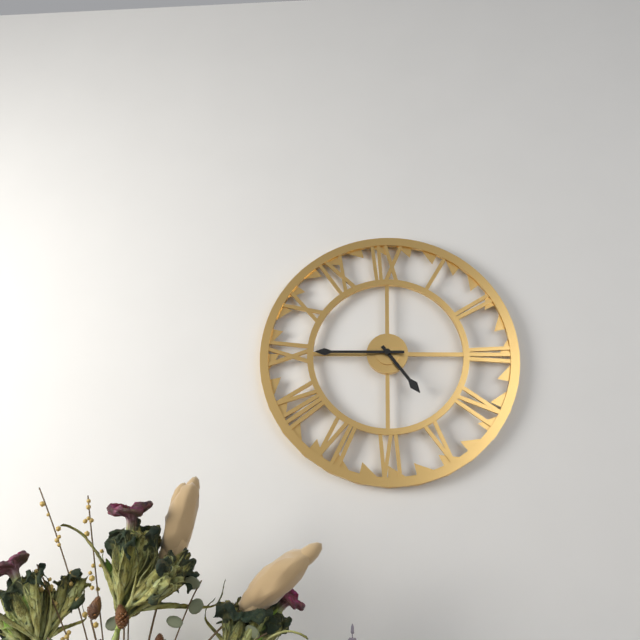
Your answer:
**4:45**
